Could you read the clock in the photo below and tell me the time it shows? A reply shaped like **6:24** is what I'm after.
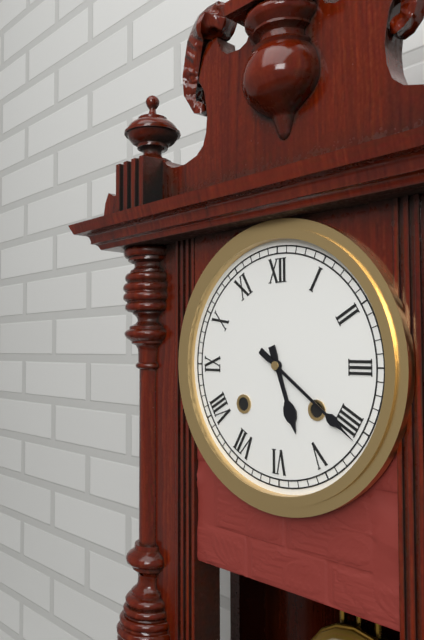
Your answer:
**5:21**
